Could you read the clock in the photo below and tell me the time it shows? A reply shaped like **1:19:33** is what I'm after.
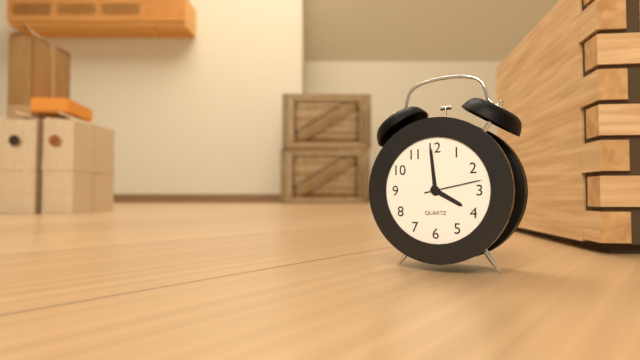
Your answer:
**3:59:13**
